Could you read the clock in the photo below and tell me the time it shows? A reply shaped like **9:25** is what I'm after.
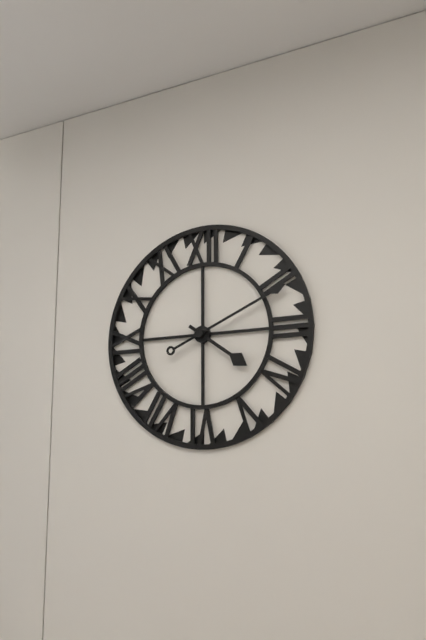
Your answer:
**4:11**
